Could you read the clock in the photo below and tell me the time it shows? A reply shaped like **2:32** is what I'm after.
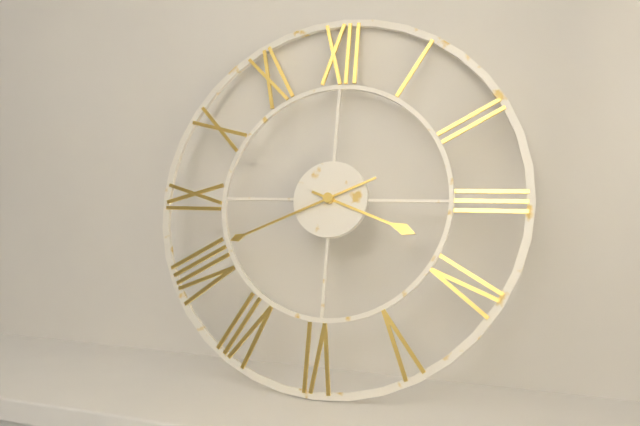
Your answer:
**3:41**
